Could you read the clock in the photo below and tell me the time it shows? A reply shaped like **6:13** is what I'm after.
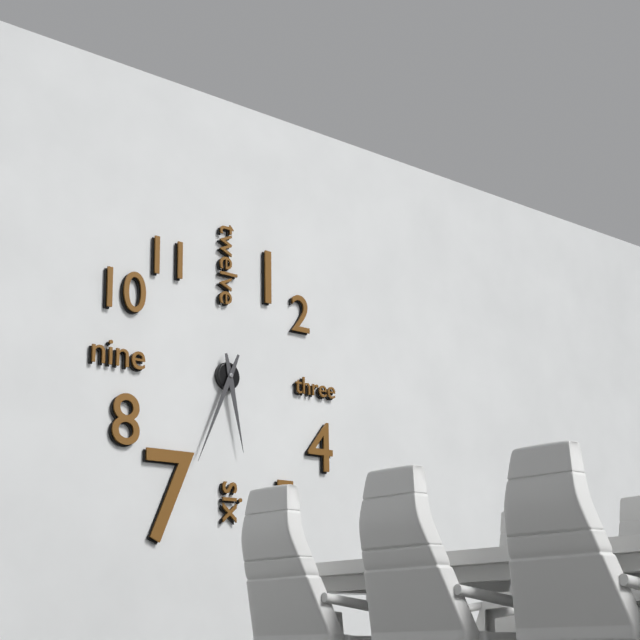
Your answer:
**5:34**
